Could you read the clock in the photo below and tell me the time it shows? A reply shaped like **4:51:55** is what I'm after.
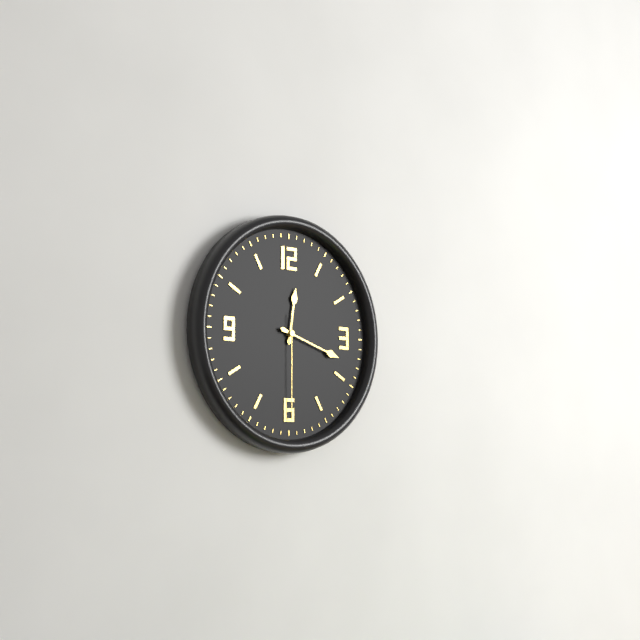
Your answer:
**12:18:30**
